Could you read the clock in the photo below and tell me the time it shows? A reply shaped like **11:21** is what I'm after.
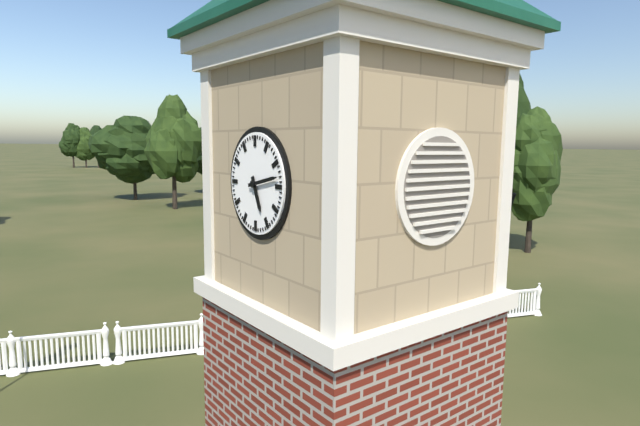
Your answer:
**5:13**
